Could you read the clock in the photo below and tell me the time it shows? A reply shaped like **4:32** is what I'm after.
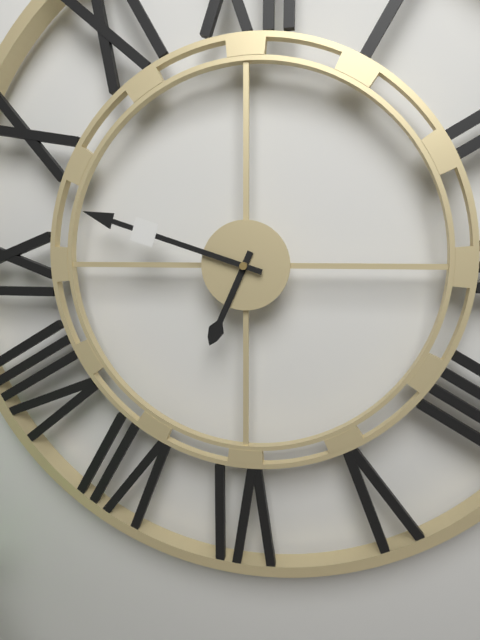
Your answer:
**6:48**
